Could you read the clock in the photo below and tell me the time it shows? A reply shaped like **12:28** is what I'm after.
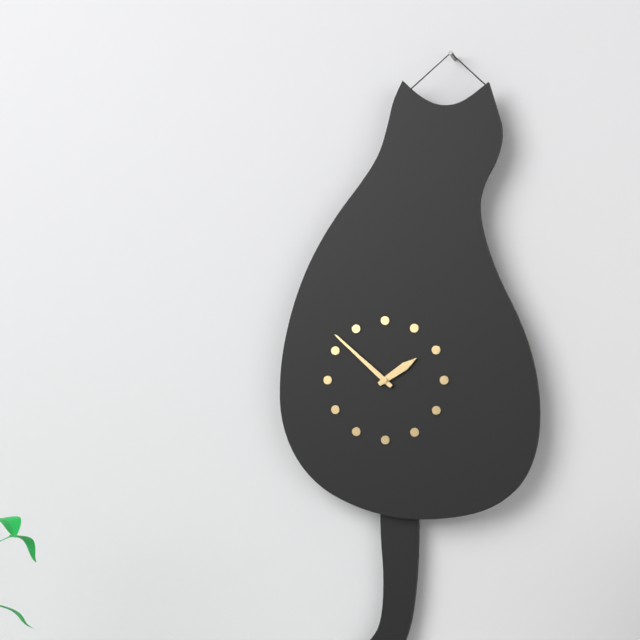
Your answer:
**1:52**
